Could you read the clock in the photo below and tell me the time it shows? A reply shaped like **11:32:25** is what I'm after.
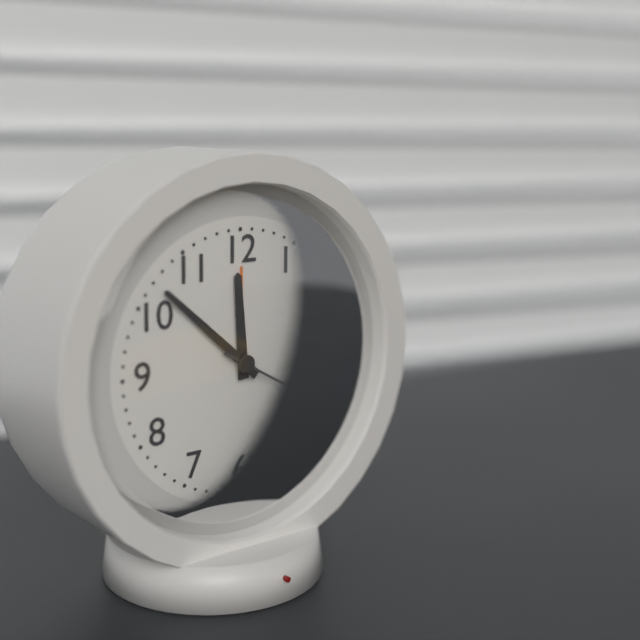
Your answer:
**11:52:20**
